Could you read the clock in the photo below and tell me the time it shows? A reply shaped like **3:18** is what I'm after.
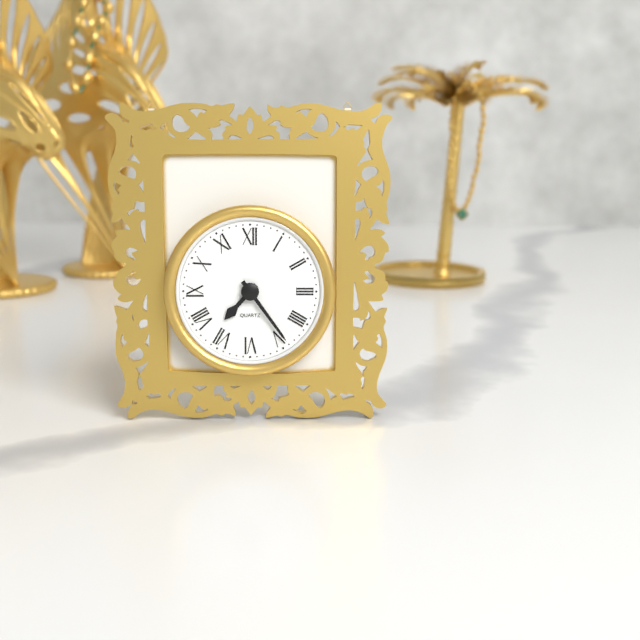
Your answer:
**7:24**
